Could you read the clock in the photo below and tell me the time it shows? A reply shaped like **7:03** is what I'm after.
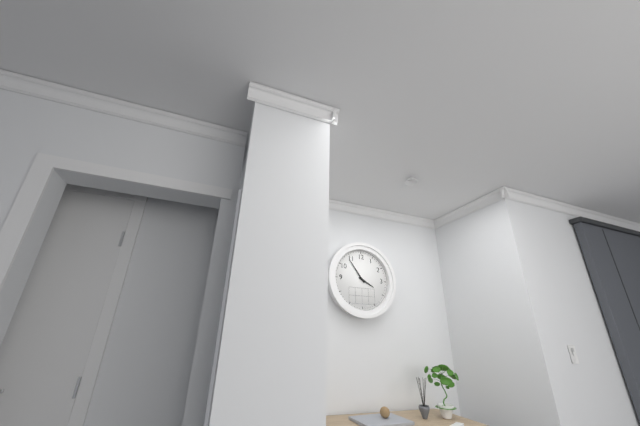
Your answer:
**3:54**
